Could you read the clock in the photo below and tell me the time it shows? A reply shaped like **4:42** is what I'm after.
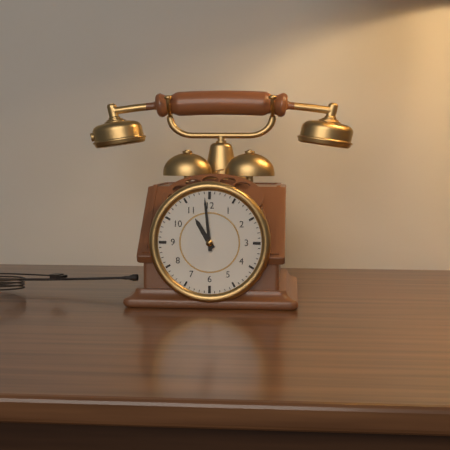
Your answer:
**10:59**
